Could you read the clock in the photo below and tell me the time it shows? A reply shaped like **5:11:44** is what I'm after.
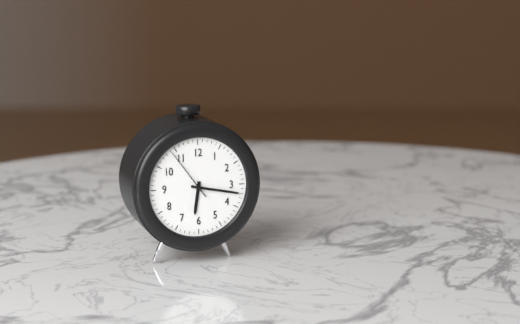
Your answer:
**6:17:54**
